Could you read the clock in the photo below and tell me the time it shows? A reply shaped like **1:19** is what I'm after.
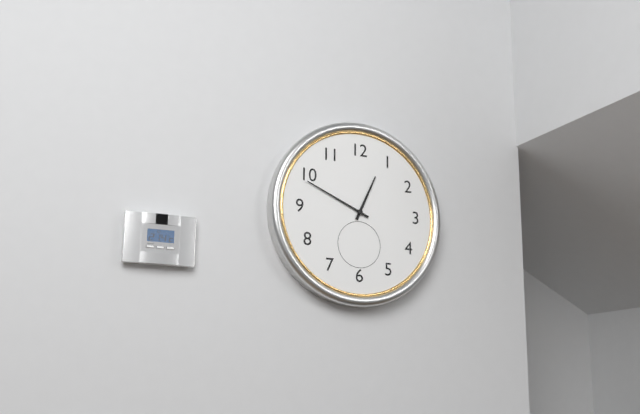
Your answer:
**12:49**
